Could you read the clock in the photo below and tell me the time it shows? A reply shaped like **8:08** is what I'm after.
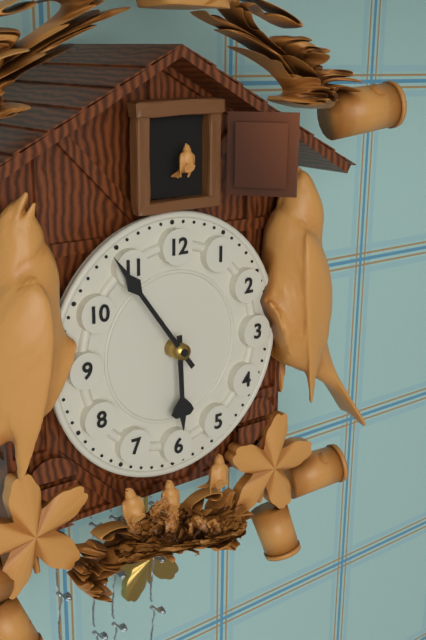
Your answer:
**5:54**
